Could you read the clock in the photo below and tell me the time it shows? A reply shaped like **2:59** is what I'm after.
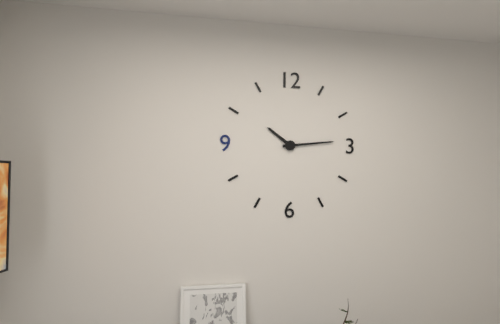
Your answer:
**10:14**
